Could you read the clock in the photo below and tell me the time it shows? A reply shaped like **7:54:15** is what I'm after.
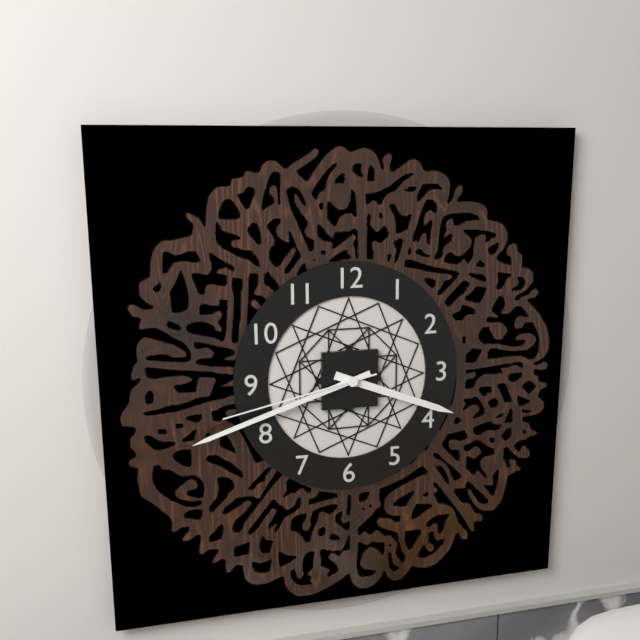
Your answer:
**3:42:43**
